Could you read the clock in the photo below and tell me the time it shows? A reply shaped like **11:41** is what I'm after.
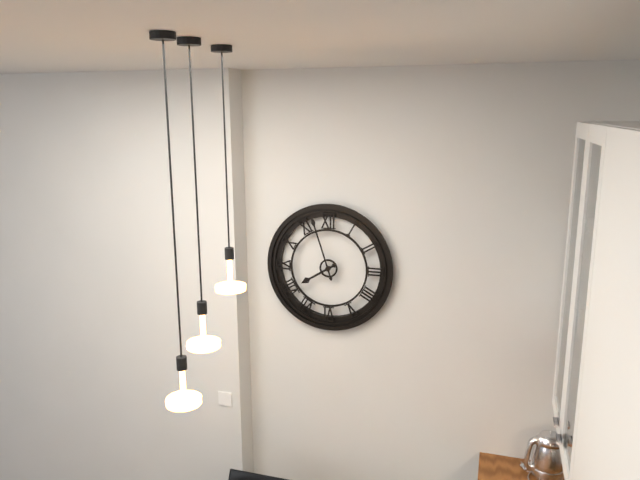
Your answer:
**7:57**
